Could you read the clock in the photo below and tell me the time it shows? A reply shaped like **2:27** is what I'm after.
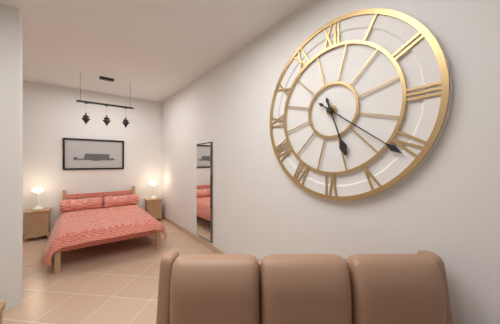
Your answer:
**5:21**
